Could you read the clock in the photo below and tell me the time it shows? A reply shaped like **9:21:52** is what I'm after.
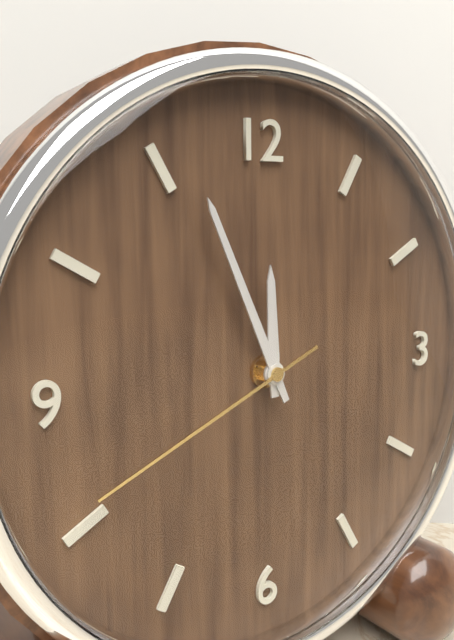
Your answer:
**11:56:41**
